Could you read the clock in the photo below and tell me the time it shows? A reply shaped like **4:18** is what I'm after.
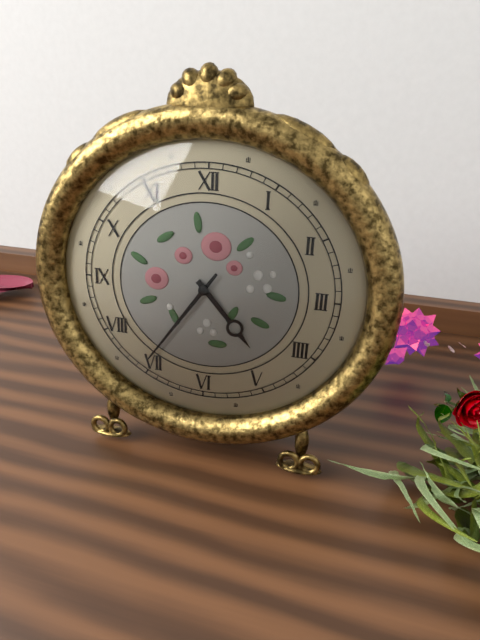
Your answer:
**4:36**
